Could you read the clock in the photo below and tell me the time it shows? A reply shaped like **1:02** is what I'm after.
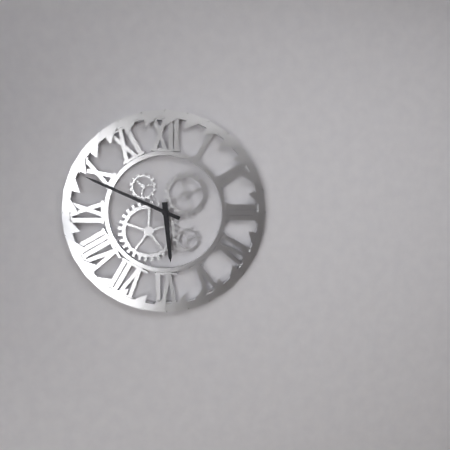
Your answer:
**5:49**
